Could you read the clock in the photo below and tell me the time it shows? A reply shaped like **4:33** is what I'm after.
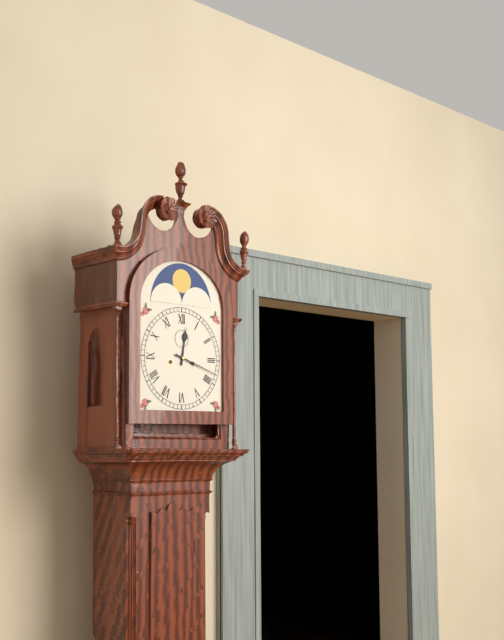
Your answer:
**12:18**
